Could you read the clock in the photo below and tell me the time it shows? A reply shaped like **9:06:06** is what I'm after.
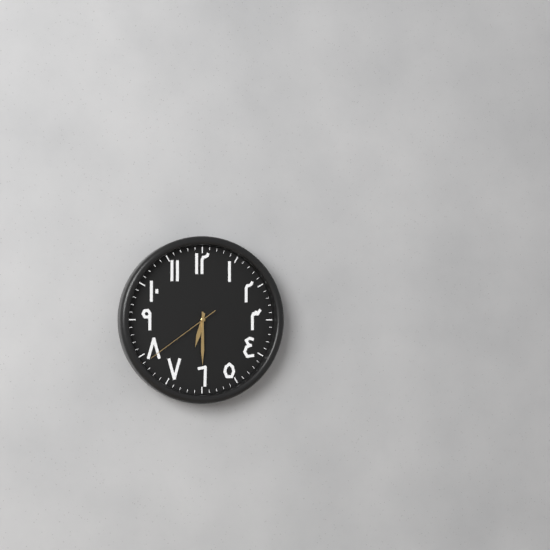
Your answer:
**6:30:39**
